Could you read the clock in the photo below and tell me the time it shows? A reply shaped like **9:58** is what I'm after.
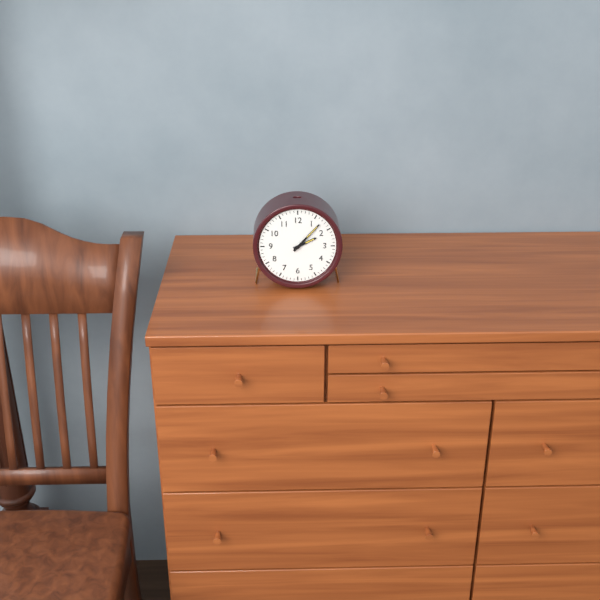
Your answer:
**2:07**
